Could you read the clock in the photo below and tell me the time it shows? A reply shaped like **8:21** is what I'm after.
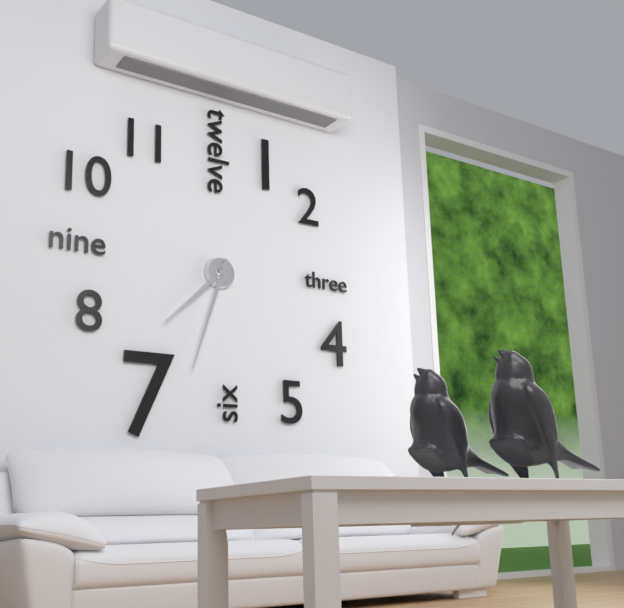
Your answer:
**7:33**
